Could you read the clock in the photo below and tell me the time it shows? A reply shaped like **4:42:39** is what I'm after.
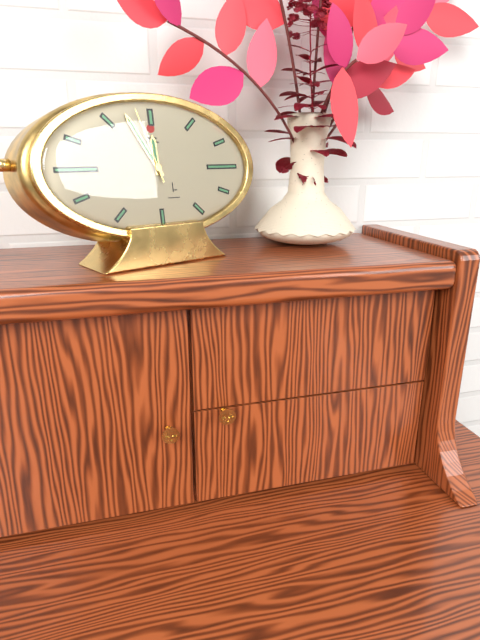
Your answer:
**11:55:57**
